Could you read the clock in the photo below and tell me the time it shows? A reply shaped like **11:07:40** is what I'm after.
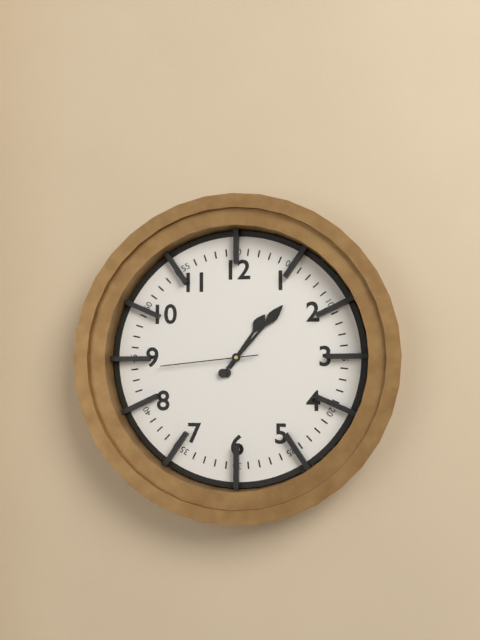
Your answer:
**1:07:44**
